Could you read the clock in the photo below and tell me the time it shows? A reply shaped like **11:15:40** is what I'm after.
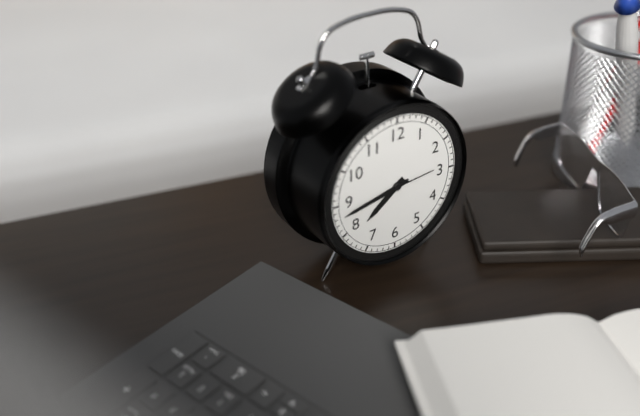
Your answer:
**7:43:14**
